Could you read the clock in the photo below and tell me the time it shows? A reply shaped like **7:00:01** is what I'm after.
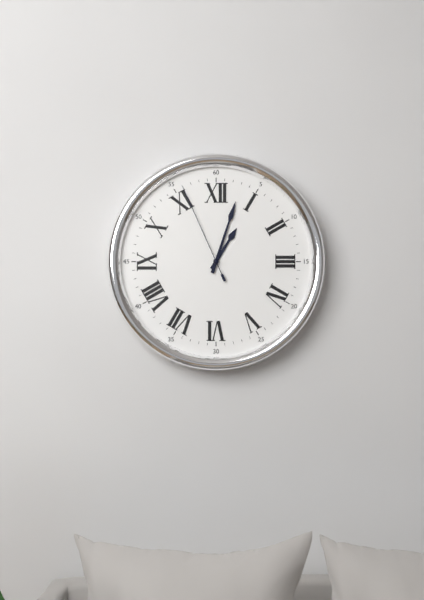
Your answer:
**1:03:56**
